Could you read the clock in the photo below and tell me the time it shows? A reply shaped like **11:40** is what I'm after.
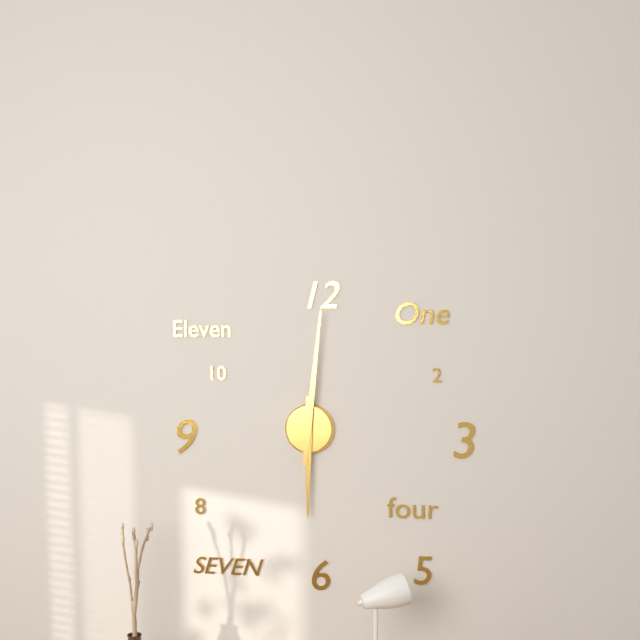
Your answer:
**6:01**
